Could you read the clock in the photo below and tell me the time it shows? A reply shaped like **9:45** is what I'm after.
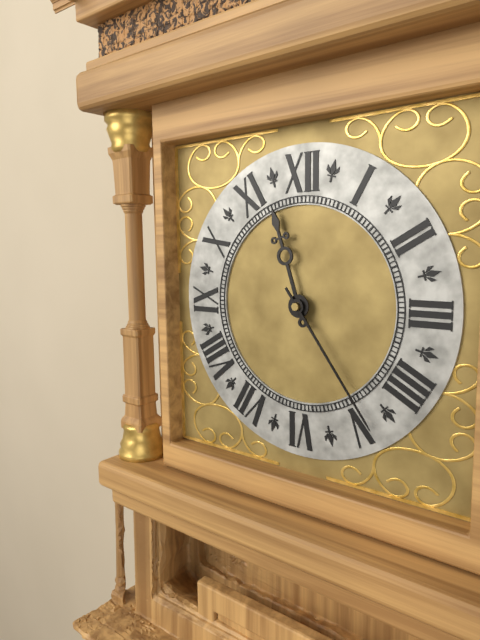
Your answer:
**11:24**
